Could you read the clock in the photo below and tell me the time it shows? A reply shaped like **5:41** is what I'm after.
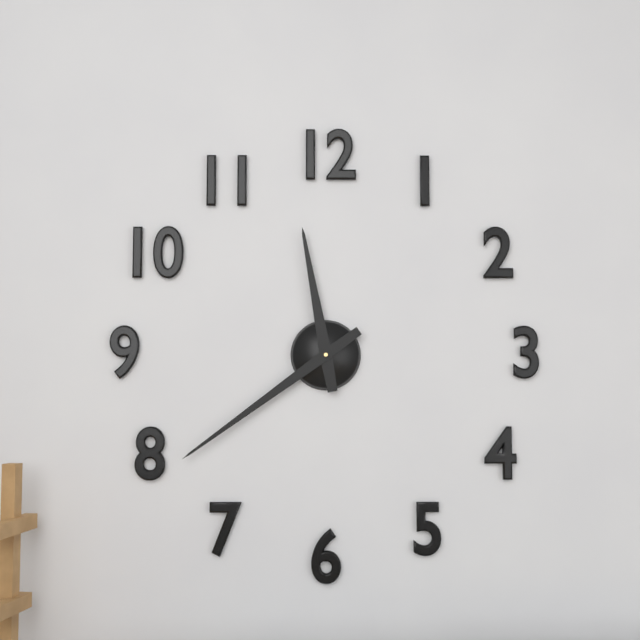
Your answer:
**11:39**
